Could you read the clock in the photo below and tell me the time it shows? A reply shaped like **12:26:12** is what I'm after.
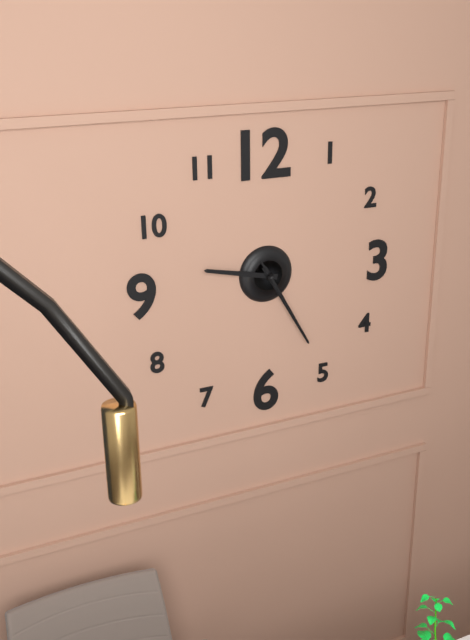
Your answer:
**9:25:25**
